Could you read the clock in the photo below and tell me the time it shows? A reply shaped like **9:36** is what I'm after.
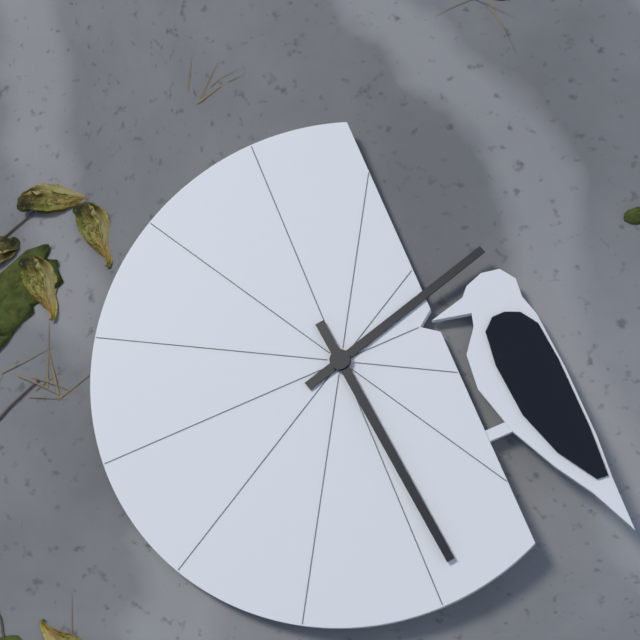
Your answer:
**2:29**
